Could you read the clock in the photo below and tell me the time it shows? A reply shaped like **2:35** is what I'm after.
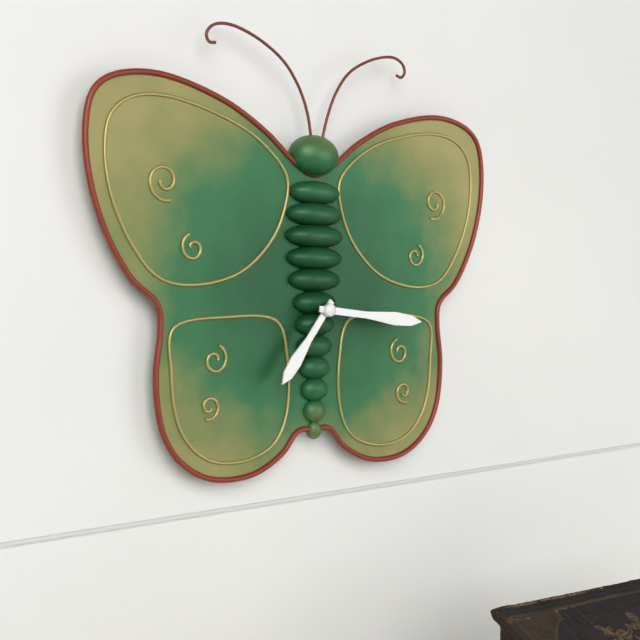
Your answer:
**7:16**
